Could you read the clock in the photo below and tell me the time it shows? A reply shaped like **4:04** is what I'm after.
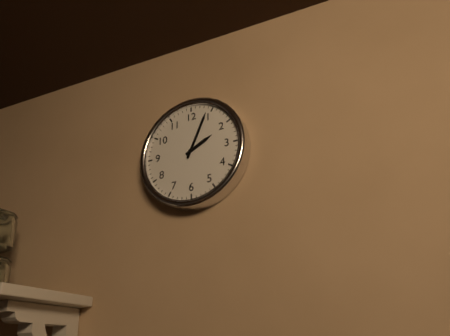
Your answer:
**2:04**
